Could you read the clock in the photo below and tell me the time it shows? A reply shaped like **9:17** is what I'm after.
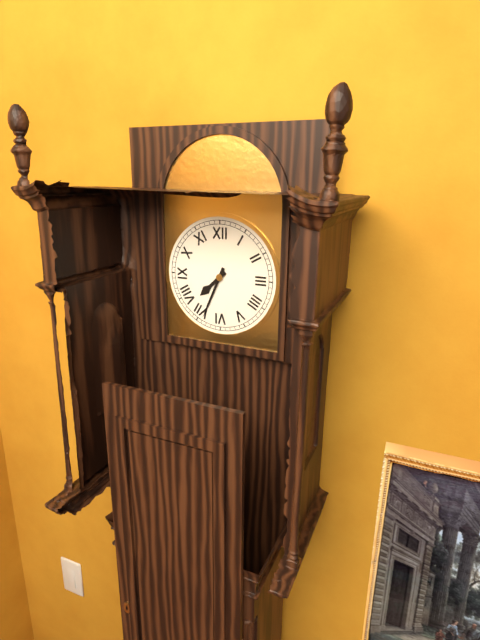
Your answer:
**7:34**
